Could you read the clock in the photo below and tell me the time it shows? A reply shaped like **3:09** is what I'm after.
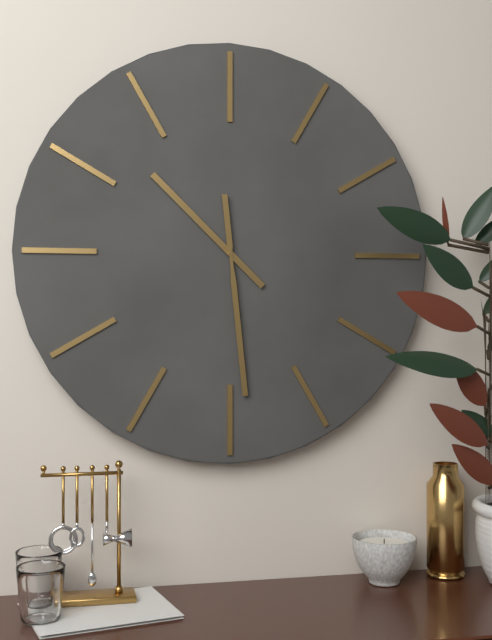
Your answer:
**10:29**
